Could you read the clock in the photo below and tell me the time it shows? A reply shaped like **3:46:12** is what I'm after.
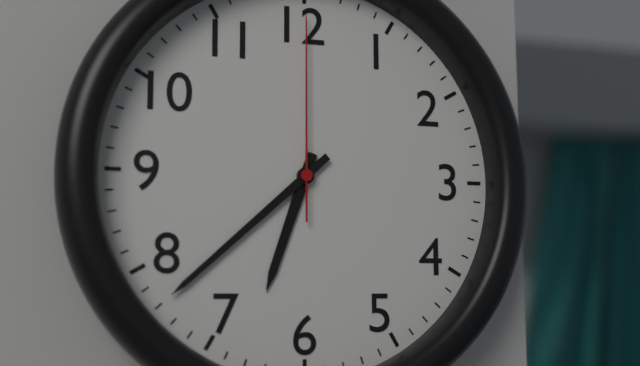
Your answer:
**6:38:00**
